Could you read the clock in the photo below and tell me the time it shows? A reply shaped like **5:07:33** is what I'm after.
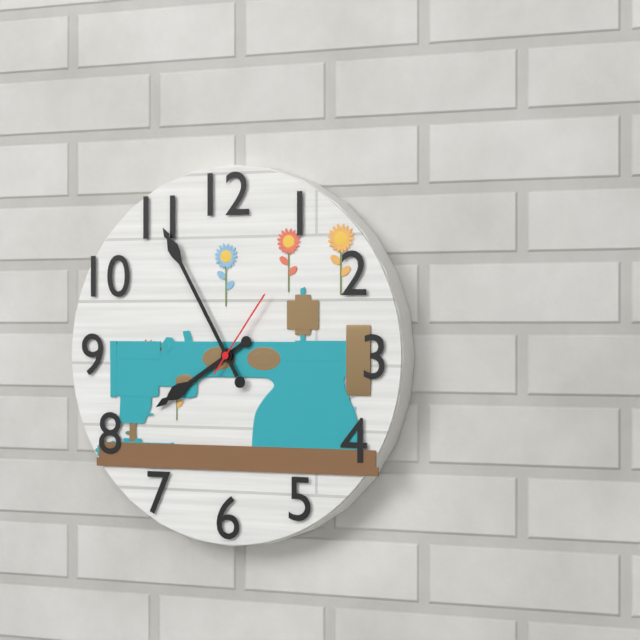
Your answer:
**7:55:06**
